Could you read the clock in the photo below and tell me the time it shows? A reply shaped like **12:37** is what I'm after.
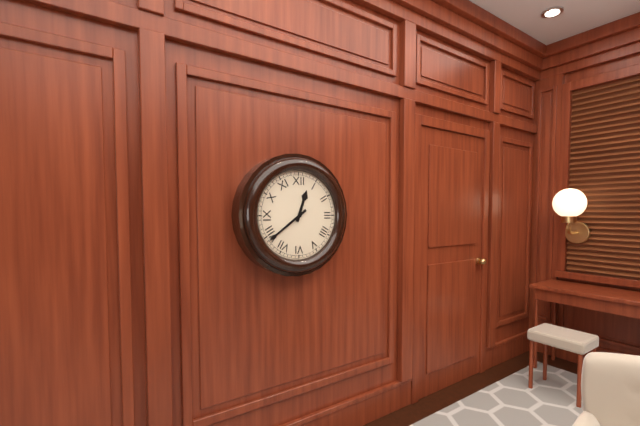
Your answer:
**12:39**
